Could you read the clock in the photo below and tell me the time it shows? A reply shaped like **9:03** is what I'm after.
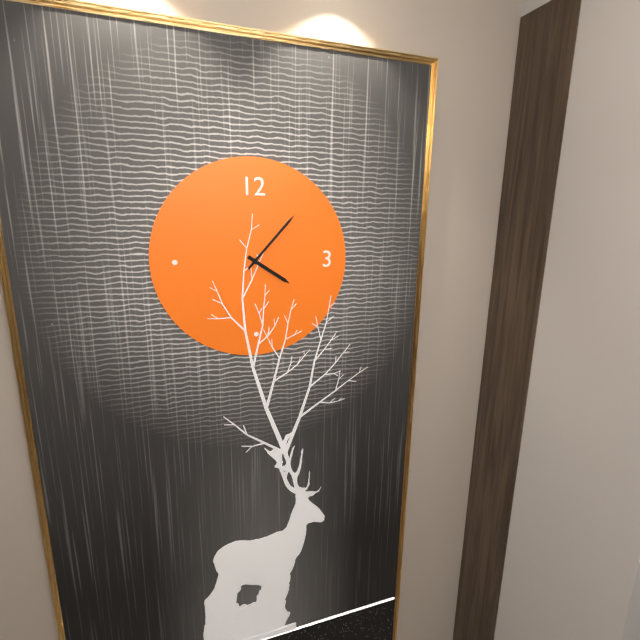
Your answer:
**4:07**
